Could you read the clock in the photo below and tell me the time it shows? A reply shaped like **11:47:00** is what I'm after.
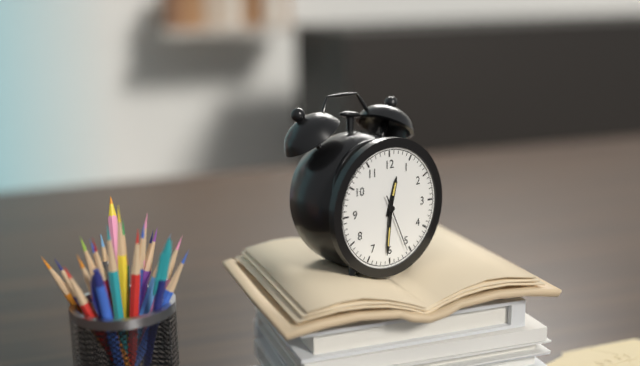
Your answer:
**12:31:26**
